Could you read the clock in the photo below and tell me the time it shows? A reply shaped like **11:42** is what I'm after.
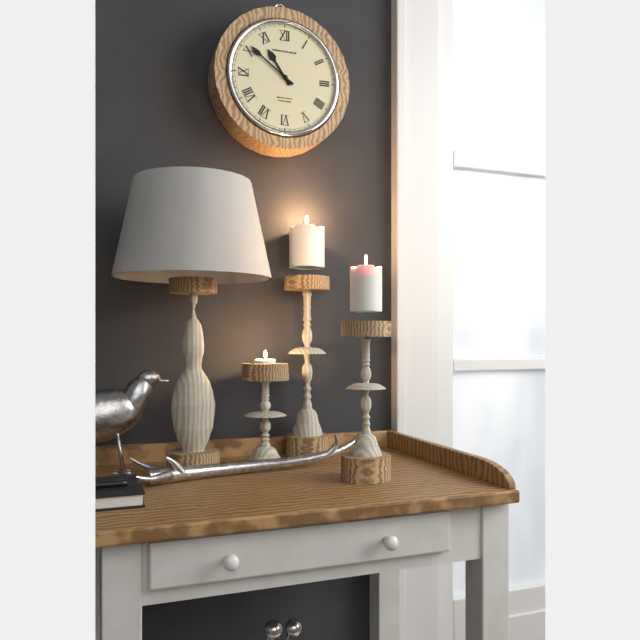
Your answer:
**10:51**
